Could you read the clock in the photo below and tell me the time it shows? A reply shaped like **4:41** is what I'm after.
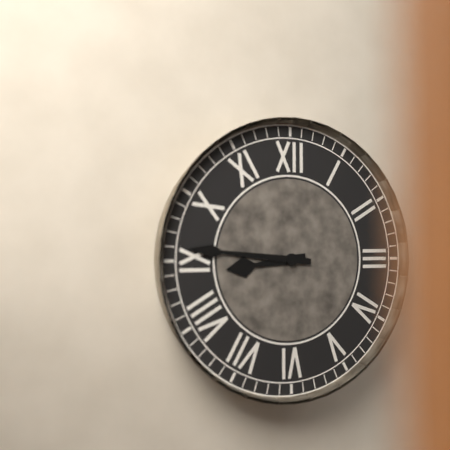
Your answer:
**8:46**
